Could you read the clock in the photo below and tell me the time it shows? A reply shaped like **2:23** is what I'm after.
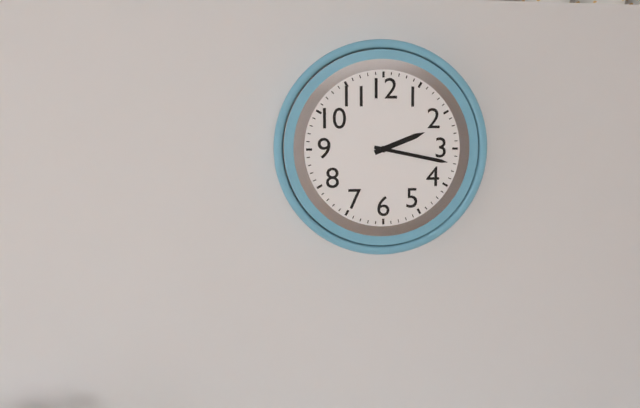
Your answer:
**2:17**
